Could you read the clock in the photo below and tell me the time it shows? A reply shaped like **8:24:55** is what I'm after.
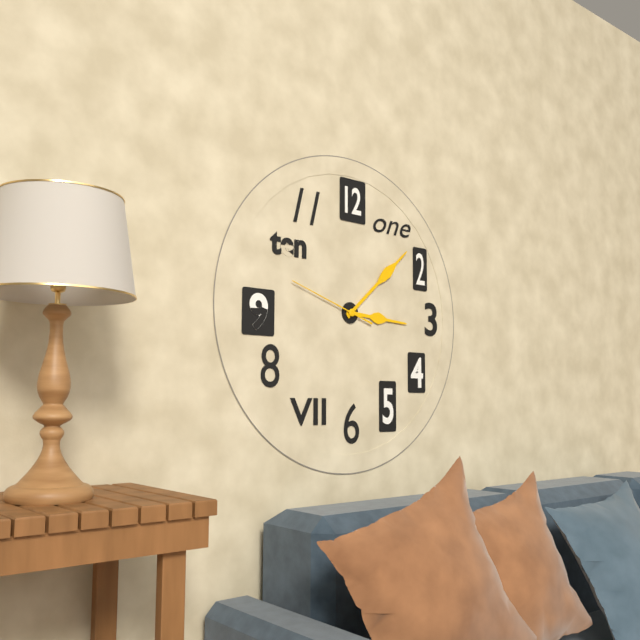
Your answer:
**3:08:48**
